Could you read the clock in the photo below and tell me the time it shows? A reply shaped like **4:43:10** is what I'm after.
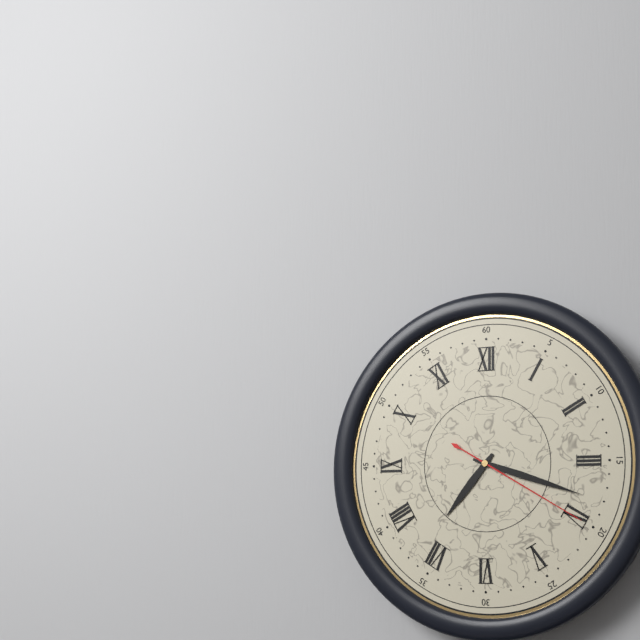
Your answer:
**7:18:20**
